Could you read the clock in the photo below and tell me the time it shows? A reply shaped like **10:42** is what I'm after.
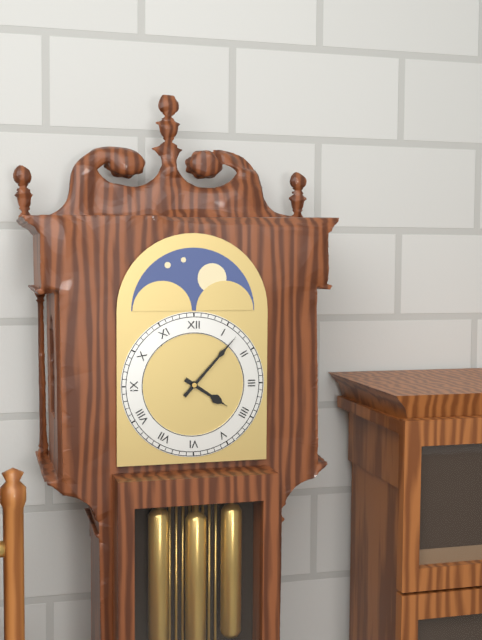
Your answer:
**4:07**
